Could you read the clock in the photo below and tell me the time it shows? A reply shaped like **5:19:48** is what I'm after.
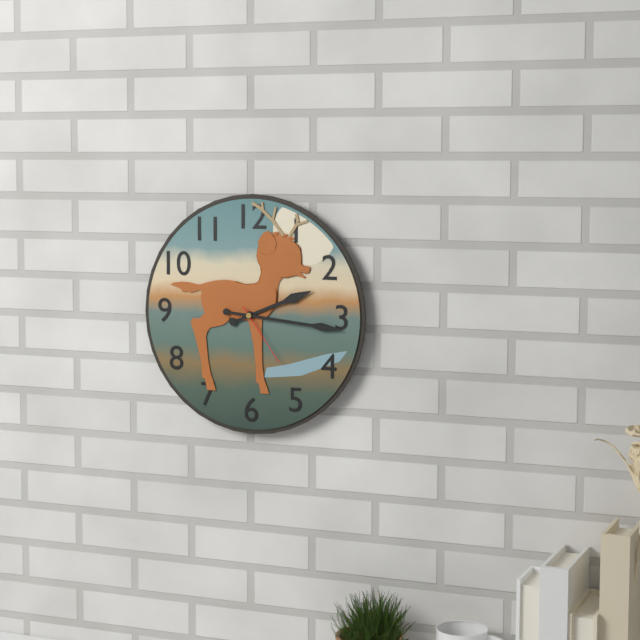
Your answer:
**2:16:24**
